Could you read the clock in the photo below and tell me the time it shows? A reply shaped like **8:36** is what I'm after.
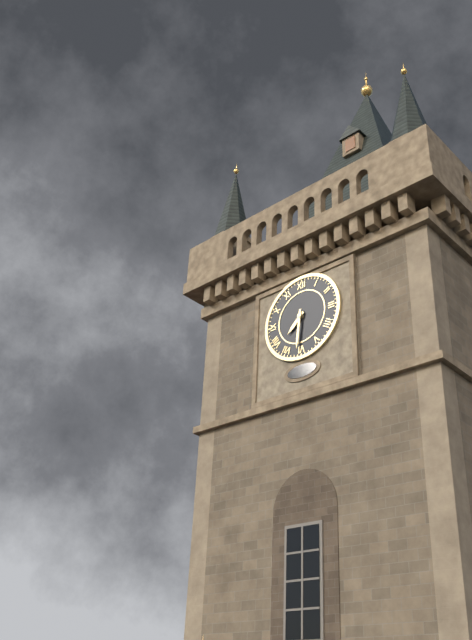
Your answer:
**7:31**
